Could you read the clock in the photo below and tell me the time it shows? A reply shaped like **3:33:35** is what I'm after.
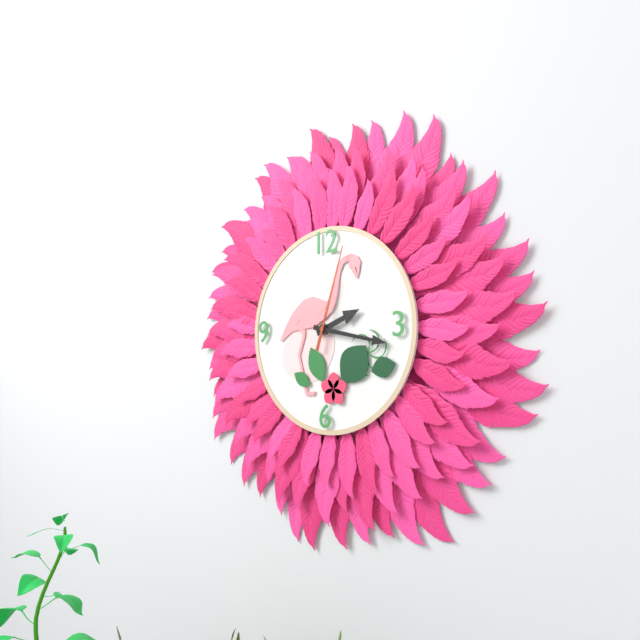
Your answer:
**2:17:03**
